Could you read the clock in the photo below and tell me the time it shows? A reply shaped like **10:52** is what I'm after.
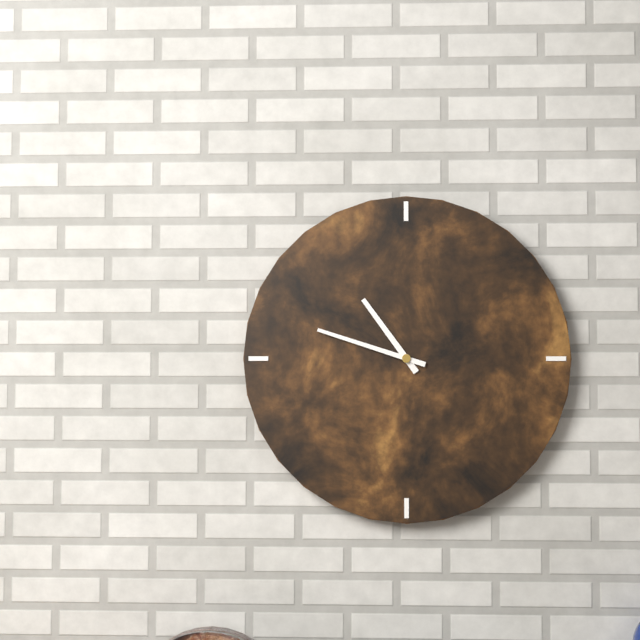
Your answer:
**10:48**
